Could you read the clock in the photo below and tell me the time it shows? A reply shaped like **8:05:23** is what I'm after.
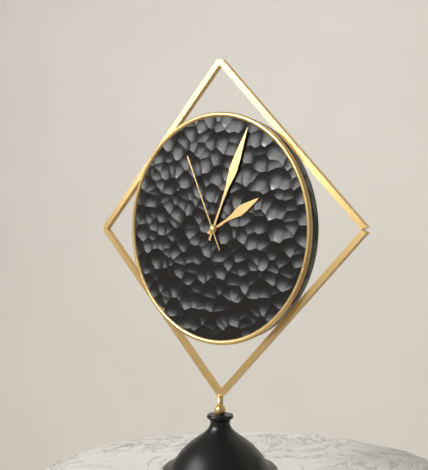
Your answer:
**2:04:56**
